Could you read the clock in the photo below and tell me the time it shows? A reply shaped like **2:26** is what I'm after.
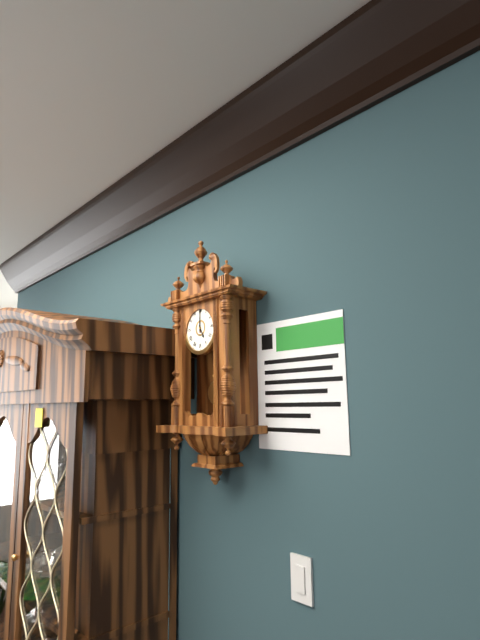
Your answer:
**5:00**
